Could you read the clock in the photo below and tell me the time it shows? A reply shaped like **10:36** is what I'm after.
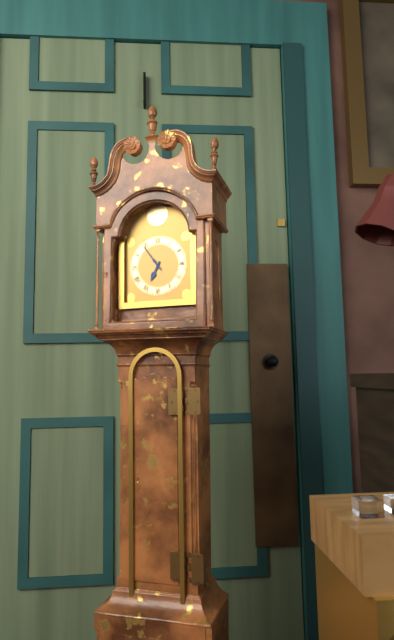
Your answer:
**6:54**
